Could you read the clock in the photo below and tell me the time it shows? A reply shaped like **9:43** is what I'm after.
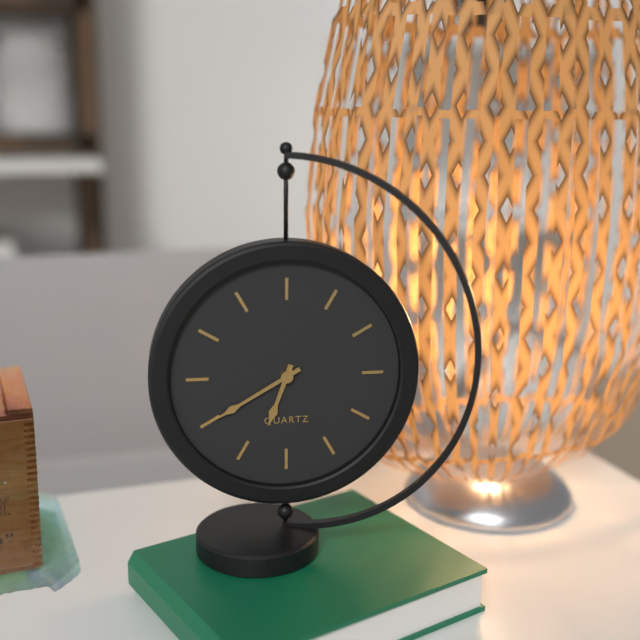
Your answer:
**6:40**
